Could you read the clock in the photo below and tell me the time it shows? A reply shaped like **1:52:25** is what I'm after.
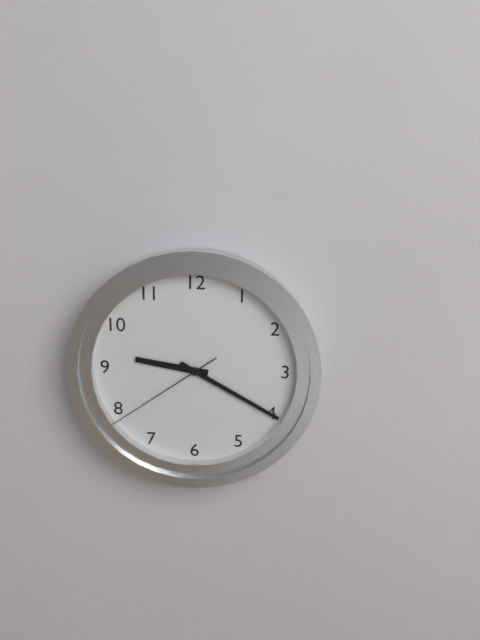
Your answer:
**9:20:39**
